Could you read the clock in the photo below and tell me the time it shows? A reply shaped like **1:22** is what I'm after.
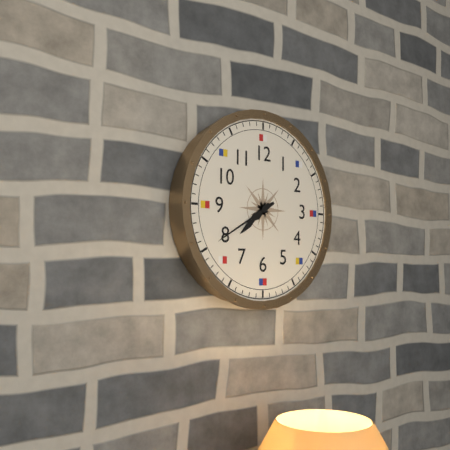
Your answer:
**7:40**
